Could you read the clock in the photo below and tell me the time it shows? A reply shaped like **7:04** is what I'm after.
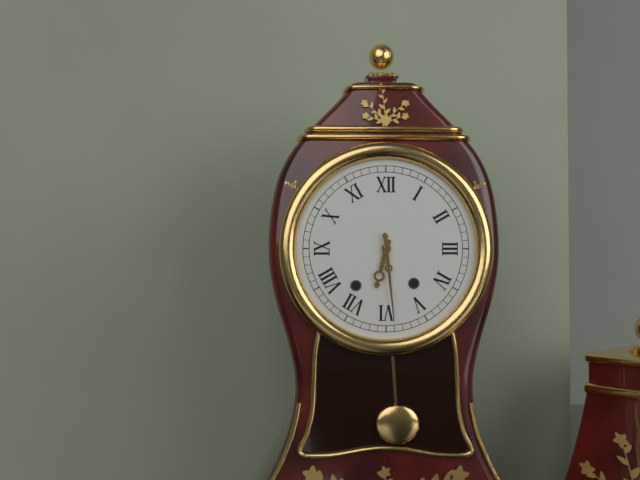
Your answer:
**6:29**
